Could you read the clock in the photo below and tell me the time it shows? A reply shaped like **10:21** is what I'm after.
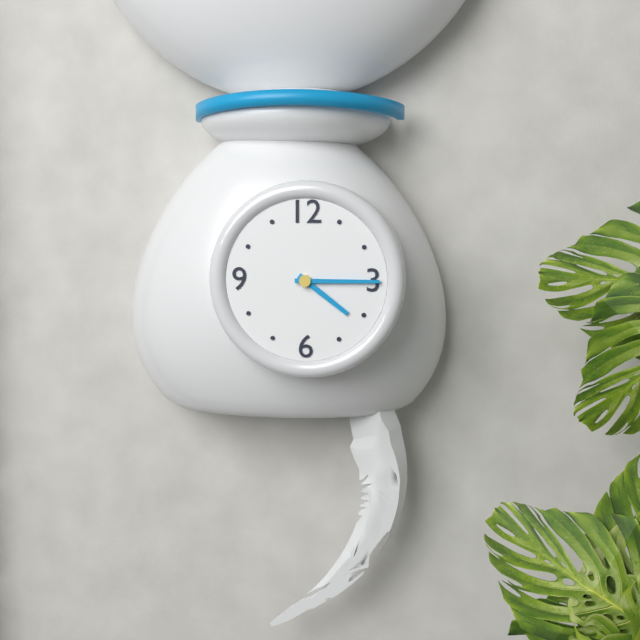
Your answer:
**4:15**
